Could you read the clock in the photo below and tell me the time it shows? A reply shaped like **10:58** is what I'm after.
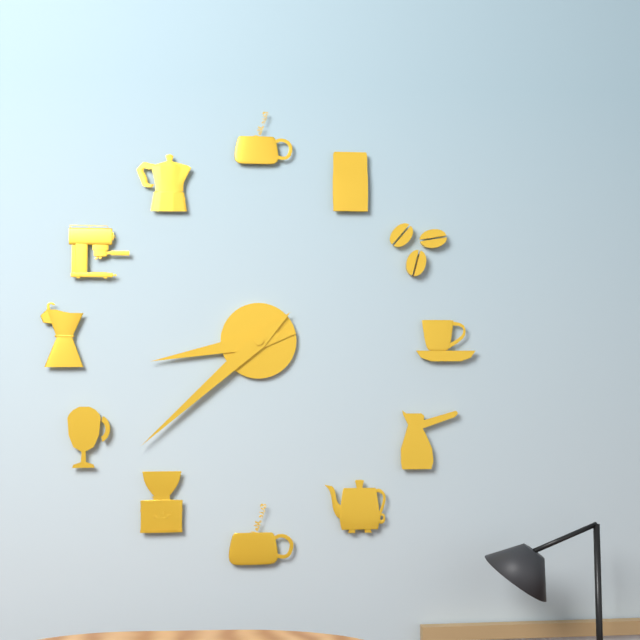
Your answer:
**8:38**
